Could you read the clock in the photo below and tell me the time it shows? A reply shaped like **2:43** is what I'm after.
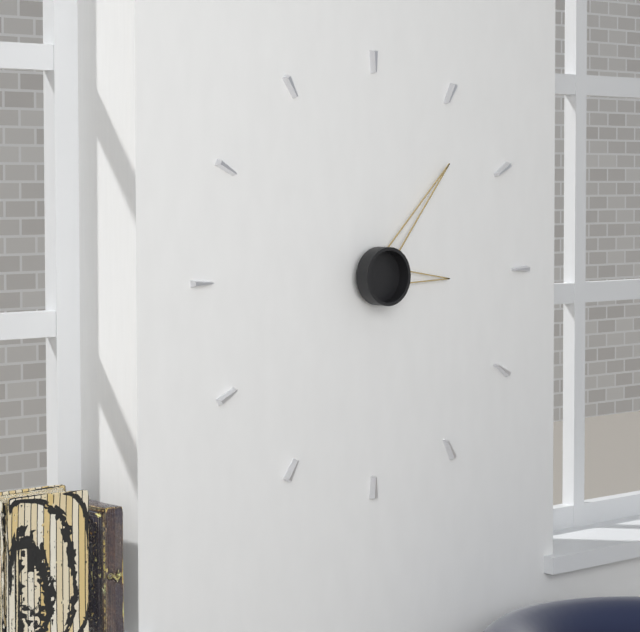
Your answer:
**3:07**
